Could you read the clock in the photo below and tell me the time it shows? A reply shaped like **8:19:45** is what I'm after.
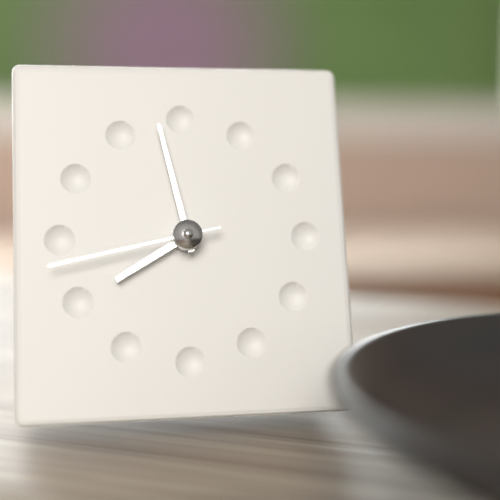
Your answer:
**7:58:43**
